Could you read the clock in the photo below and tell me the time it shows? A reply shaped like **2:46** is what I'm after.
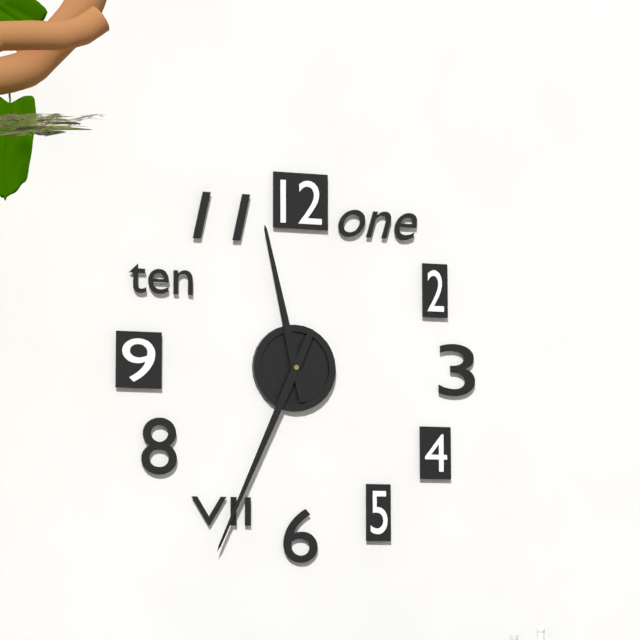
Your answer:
**11:34**
